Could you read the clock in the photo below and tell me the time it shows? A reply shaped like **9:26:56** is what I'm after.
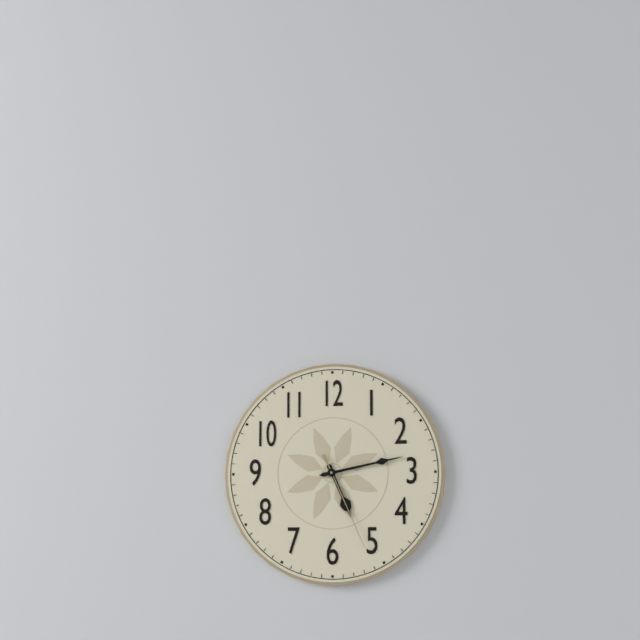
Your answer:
**5:13:26**
